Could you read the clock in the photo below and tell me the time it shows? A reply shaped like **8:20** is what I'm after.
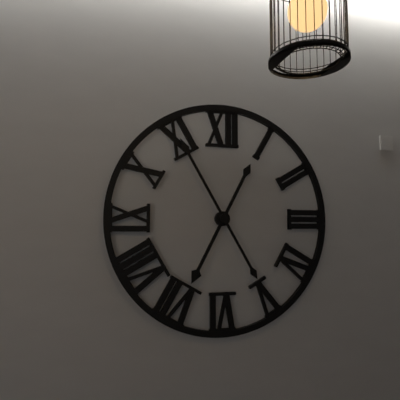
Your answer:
**6:55**
